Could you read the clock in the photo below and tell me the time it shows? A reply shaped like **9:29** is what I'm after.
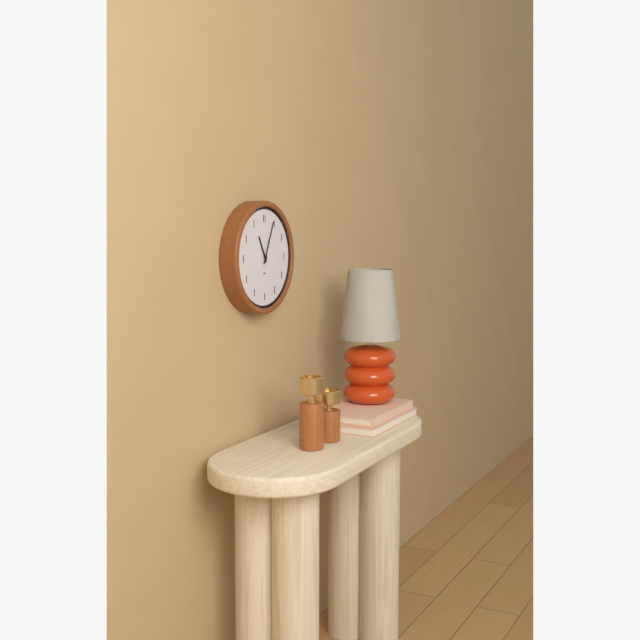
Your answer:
**11:04**
